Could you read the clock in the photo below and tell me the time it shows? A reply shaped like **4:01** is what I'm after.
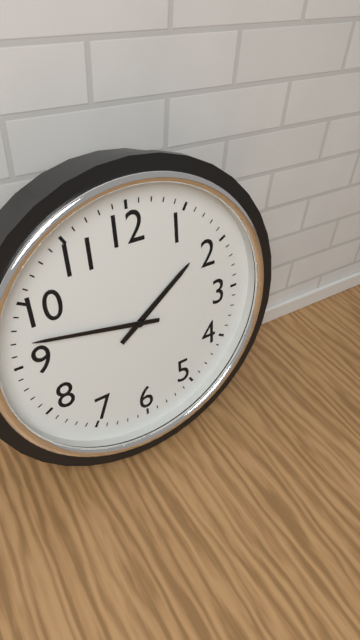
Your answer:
**1:47**
